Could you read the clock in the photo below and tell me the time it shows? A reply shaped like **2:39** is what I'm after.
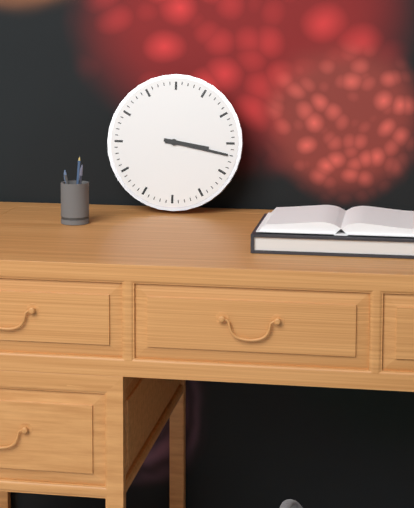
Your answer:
**3:17**
